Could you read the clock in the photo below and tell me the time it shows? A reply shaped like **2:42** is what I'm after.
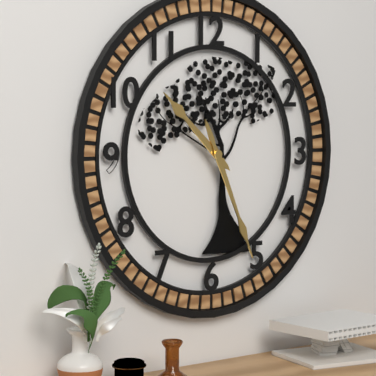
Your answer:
**10:26**
